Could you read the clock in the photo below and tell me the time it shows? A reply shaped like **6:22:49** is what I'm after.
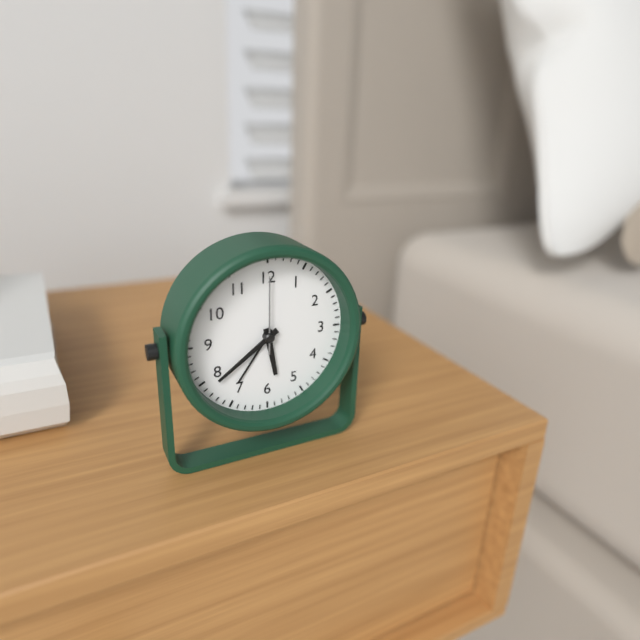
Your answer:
**5:39:00**
